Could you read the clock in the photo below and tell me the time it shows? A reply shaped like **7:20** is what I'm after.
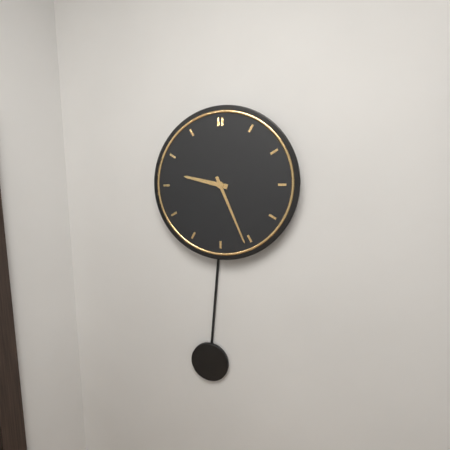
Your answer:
**9:26**
